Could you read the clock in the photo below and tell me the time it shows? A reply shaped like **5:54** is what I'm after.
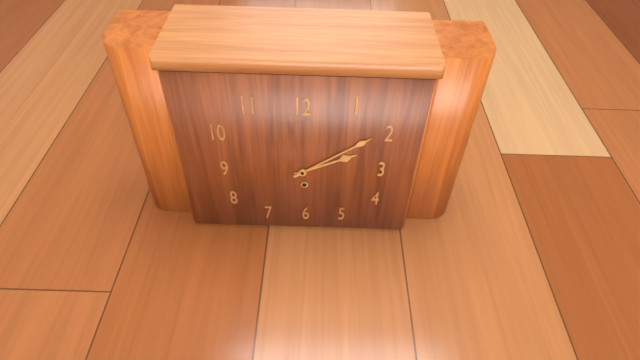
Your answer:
**2:09**
